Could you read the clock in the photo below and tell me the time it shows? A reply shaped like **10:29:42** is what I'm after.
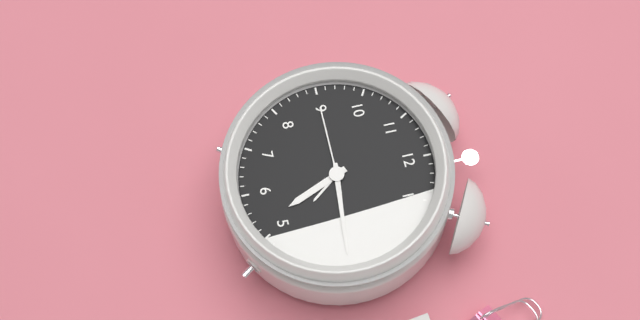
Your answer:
**5:16:45**
